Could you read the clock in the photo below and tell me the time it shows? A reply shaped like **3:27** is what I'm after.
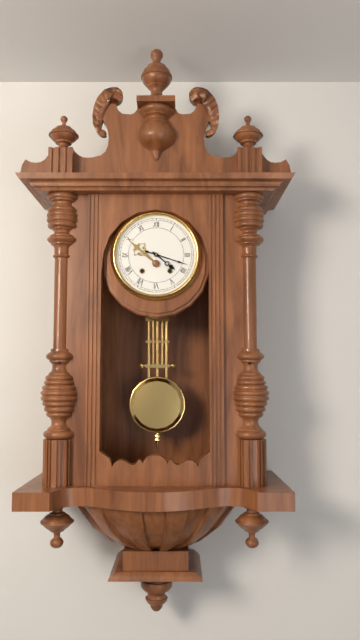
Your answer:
**4:18**
